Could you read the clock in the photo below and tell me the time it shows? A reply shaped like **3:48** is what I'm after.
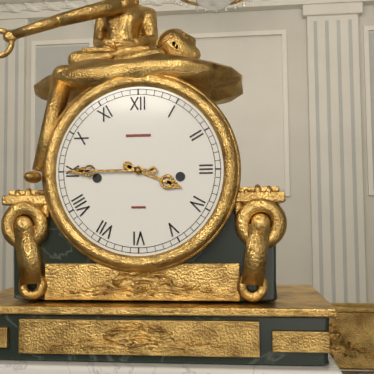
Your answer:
**3:45**
